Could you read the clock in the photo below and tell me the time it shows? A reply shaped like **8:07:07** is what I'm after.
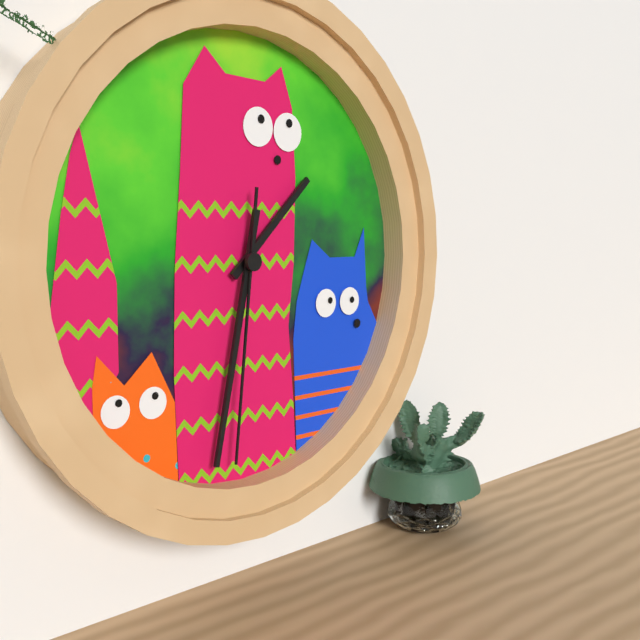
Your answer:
**1:32:31**
